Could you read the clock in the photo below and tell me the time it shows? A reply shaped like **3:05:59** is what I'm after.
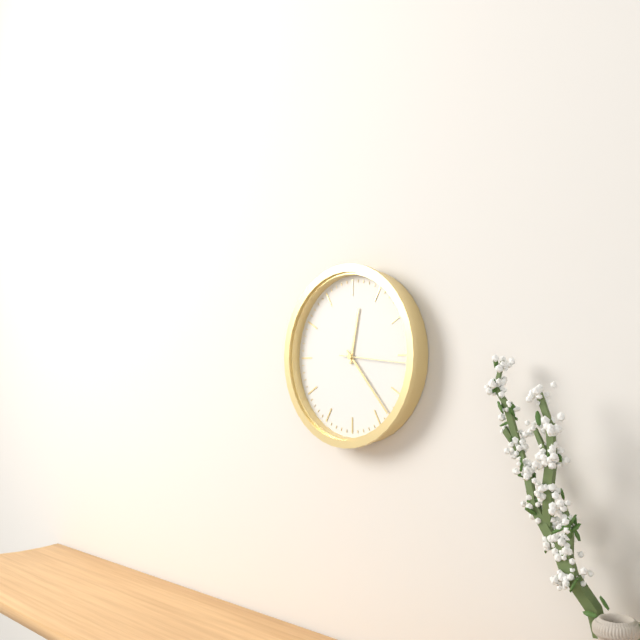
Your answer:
**12:23:16**
